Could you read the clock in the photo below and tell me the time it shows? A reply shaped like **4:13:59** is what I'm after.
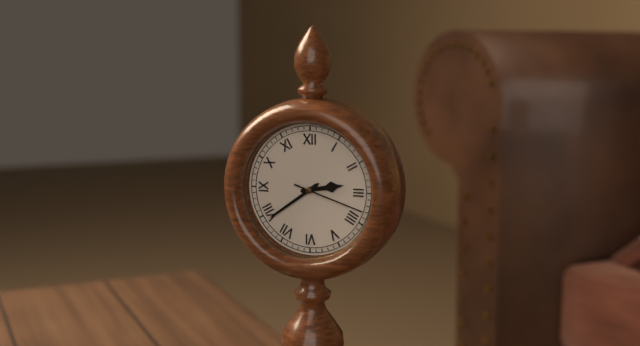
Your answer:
**2:39:18**
